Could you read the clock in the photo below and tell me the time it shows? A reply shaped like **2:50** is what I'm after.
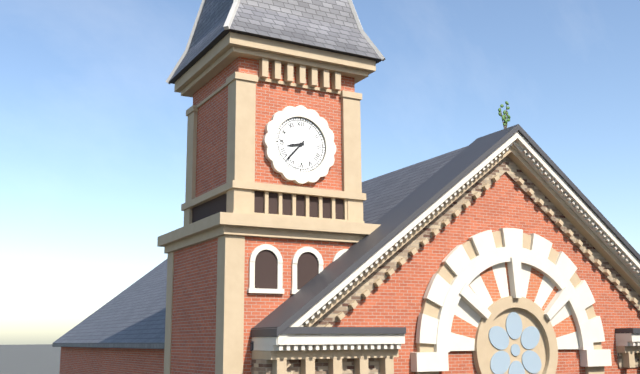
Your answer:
**8:37**
